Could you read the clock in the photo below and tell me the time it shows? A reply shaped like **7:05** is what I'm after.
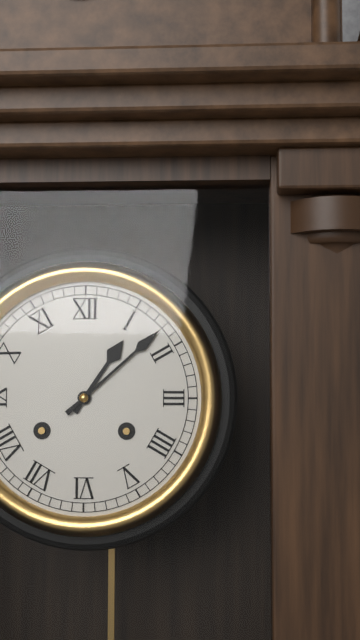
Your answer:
**1:08**
